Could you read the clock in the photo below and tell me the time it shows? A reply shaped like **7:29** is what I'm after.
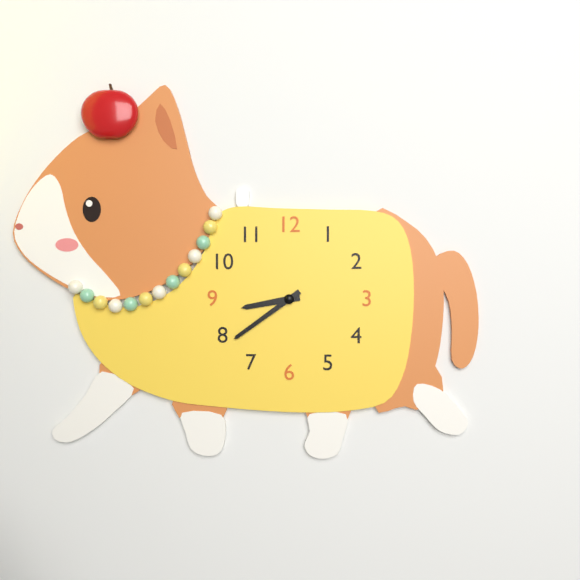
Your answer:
**8:39**
